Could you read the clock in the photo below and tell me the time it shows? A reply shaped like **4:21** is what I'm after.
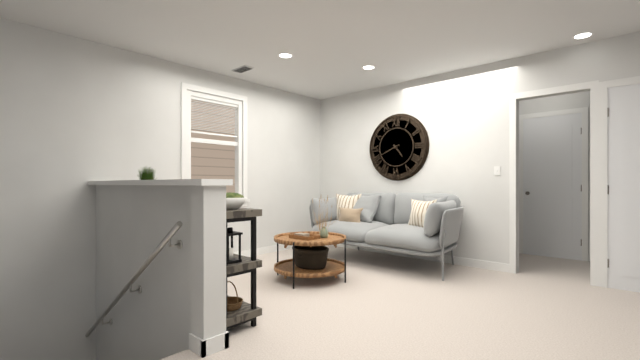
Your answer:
**4:41**
